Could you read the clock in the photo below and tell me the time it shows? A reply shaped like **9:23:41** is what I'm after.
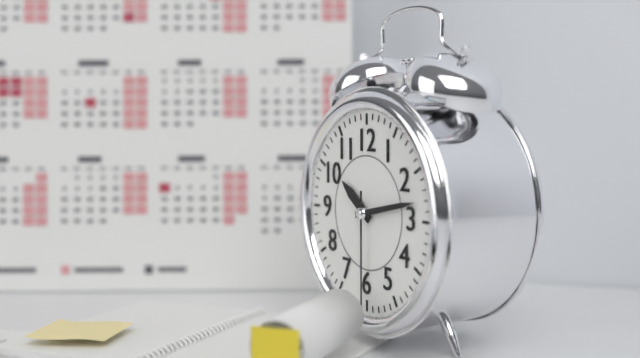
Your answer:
**10:13:30**
